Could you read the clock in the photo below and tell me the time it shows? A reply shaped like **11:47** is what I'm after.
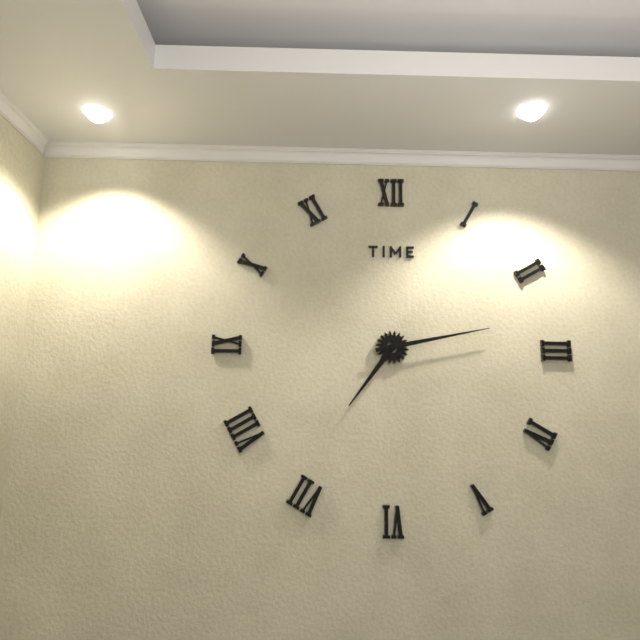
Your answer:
**7:13**
